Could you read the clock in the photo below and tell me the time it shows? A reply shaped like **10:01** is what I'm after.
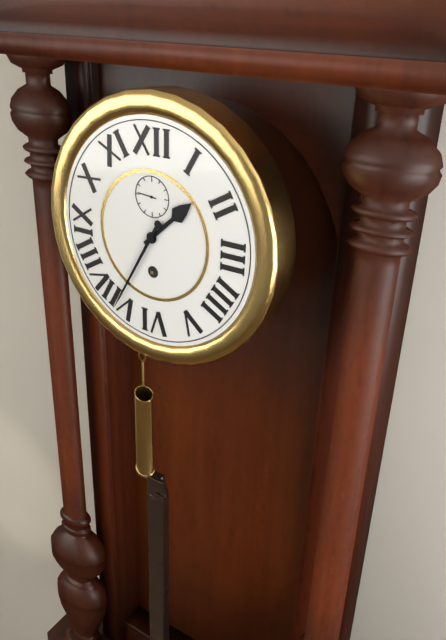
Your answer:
**1:35**
